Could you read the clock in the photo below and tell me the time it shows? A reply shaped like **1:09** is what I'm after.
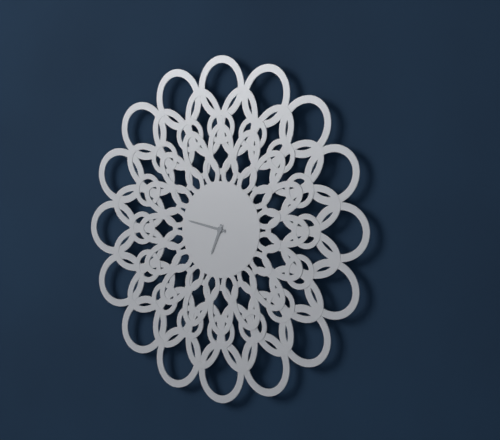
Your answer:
**6:47**
